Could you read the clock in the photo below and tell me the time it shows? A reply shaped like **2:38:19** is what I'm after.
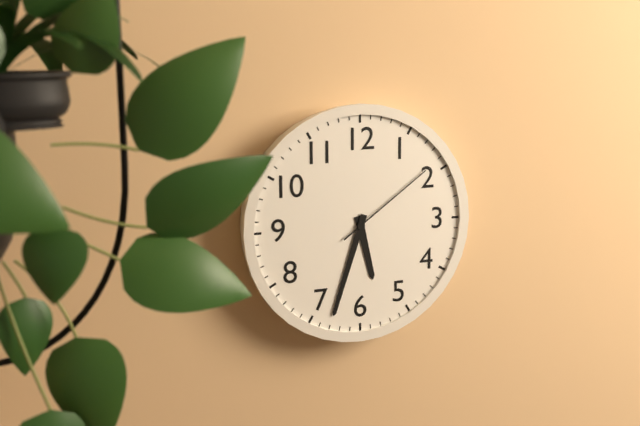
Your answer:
**5:33:09**
